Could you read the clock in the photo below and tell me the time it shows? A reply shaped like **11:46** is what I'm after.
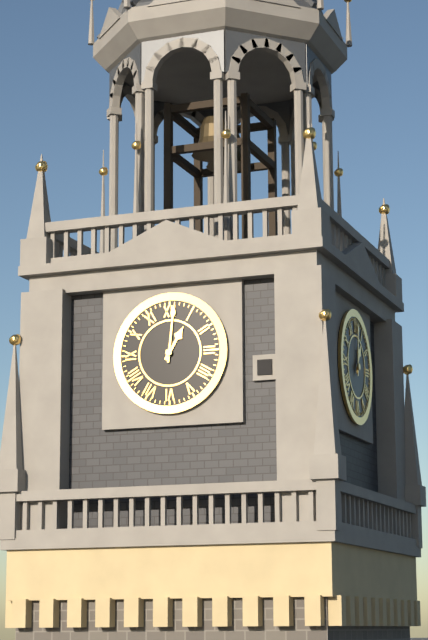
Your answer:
**1:01**
